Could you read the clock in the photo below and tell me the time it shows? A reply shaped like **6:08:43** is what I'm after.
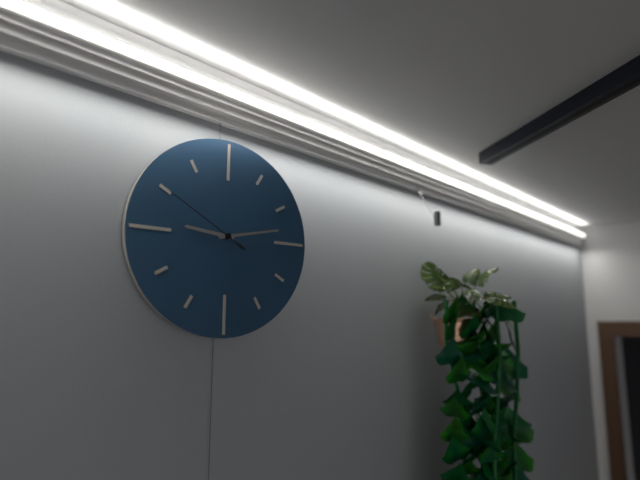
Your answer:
**9:13:50**
